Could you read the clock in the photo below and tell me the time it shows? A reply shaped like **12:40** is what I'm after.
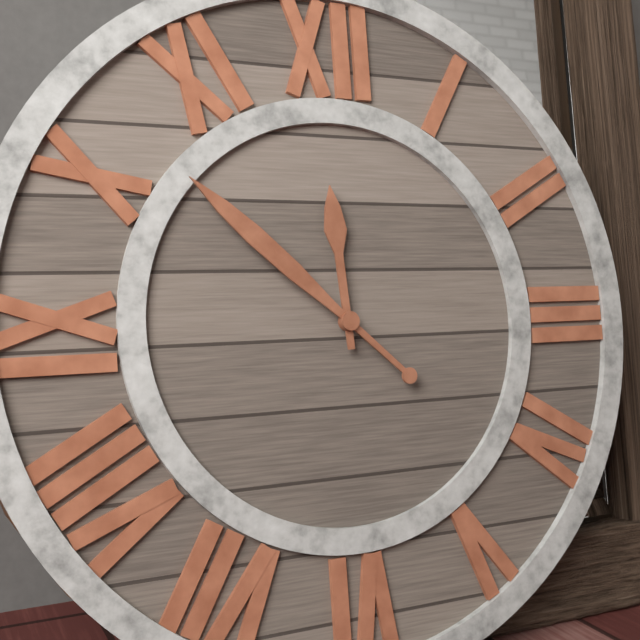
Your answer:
**11:52**
